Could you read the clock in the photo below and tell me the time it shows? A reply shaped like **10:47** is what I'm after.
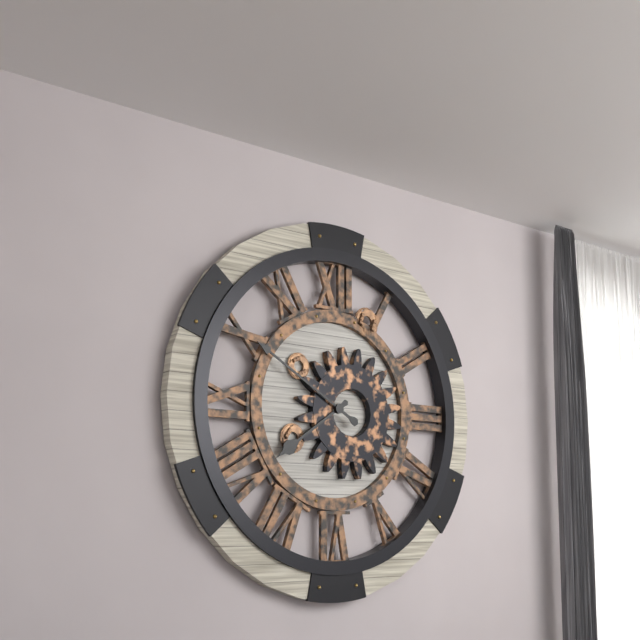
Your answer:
**7:50**
